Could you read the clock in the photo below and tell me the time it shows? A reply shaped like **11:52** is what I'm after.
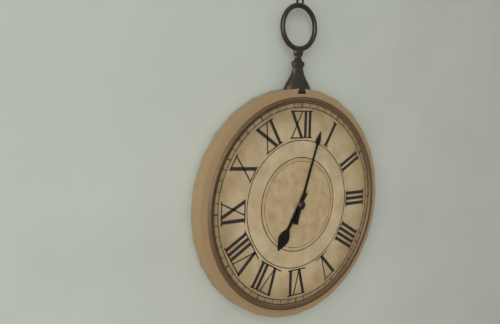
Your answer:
**7:03**
